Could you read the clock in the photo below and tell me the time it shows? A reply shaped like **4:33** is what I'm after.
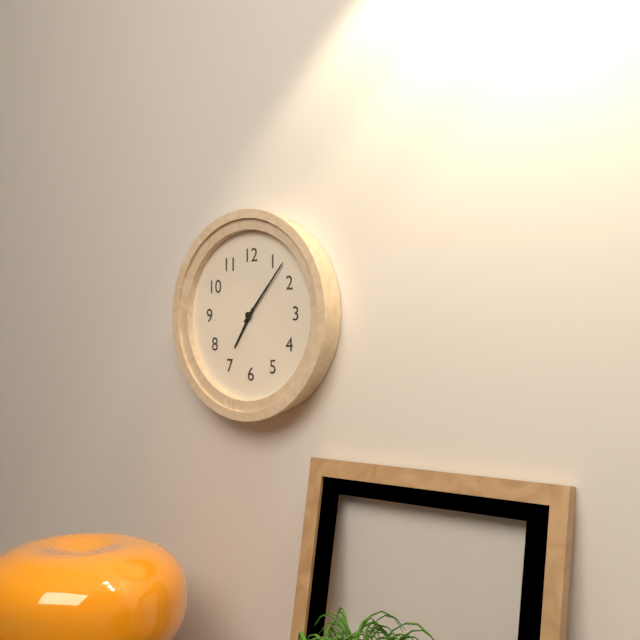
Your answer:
**7:07**
